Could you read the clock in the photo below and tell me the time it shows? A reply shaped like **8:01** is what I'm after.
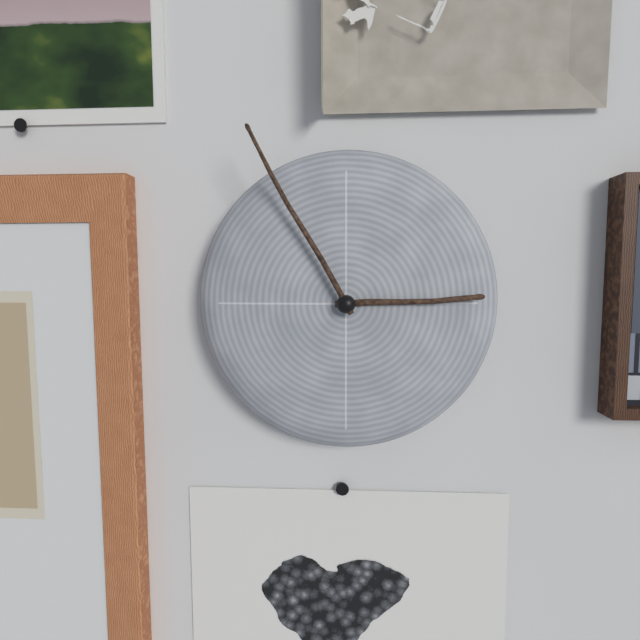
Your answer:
**2:55**
